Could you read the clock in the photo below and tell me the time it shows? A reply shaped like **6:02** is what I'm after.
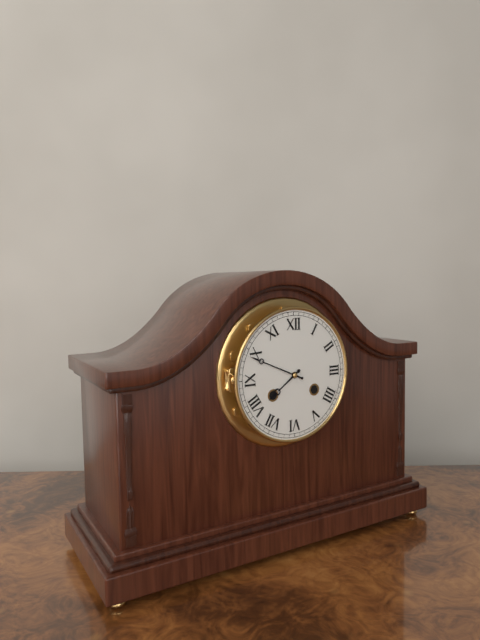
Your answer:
**7:49**
